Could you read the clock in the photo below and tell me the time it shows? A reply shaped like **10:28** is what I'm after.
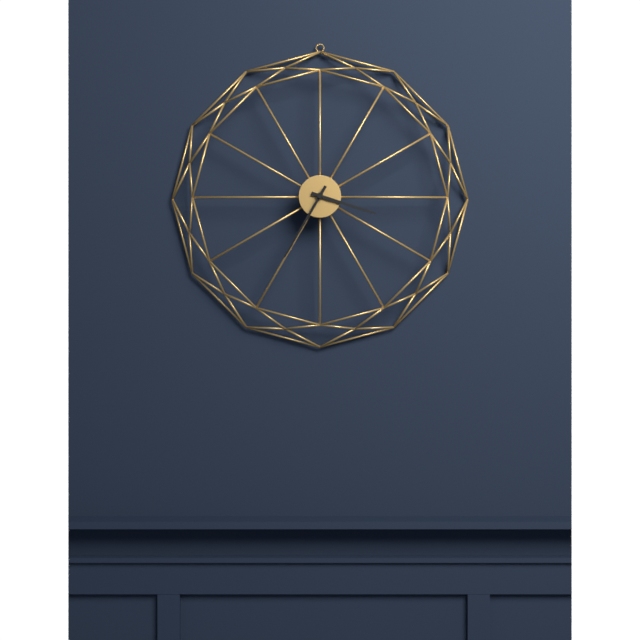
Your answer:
**3:35**
